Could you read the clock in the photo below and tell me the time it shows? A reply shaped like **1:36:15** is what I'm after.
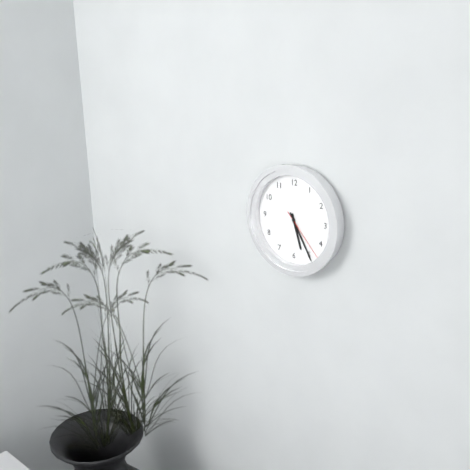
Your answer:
**5:25:23**
